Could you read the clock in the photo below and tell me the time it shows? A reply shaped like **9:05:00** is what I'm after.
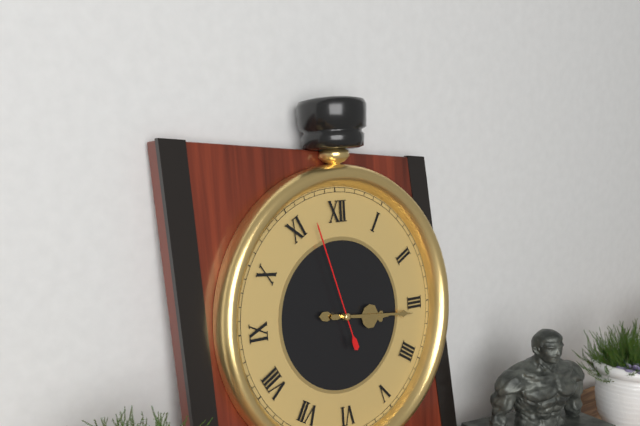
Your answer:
**3:16:57**
